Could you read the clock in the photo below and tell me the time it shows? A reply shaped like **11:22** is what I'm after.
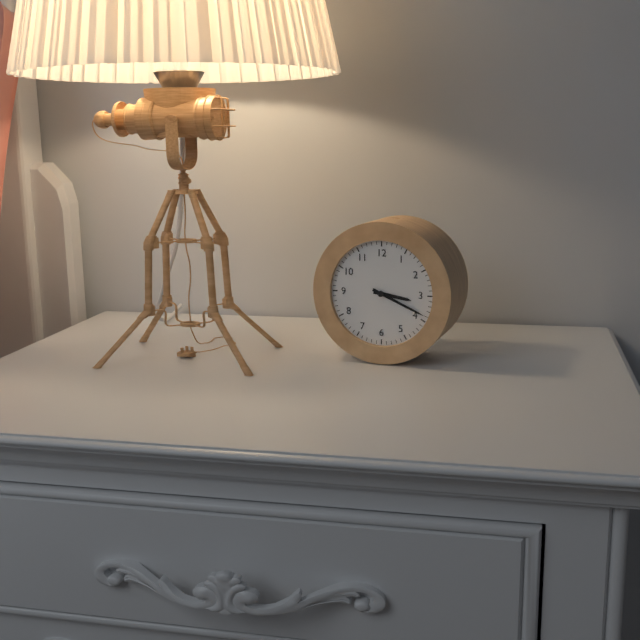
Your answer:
**3:19**
